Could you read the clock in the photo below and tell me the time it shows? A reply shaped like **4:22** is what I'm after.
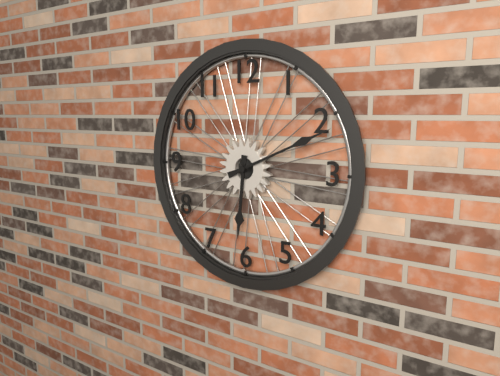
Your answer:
**6:11**
